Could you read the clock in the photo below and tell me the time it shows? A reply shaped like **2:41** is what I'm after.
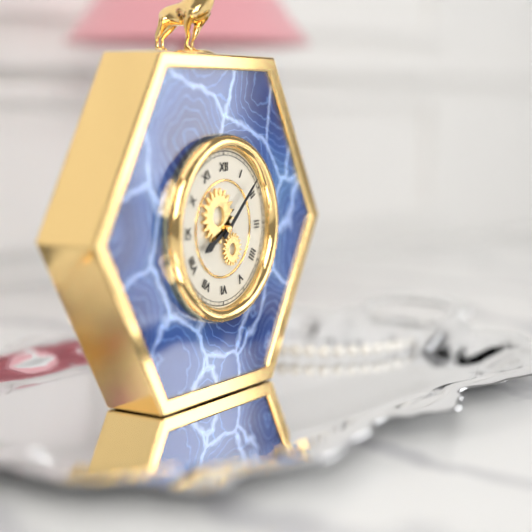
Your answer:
**8:08**
